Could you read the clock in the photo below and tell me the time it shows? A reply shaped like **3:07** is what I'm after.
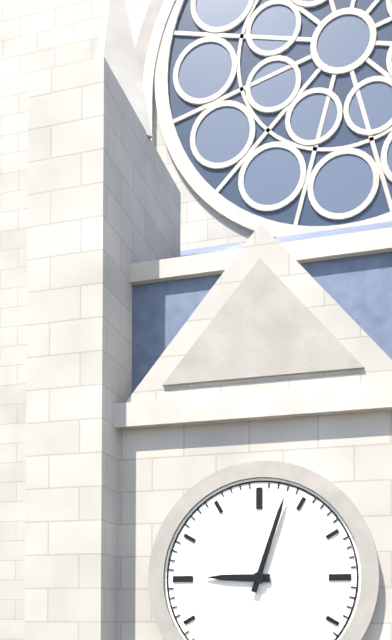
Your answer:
**9:03**
